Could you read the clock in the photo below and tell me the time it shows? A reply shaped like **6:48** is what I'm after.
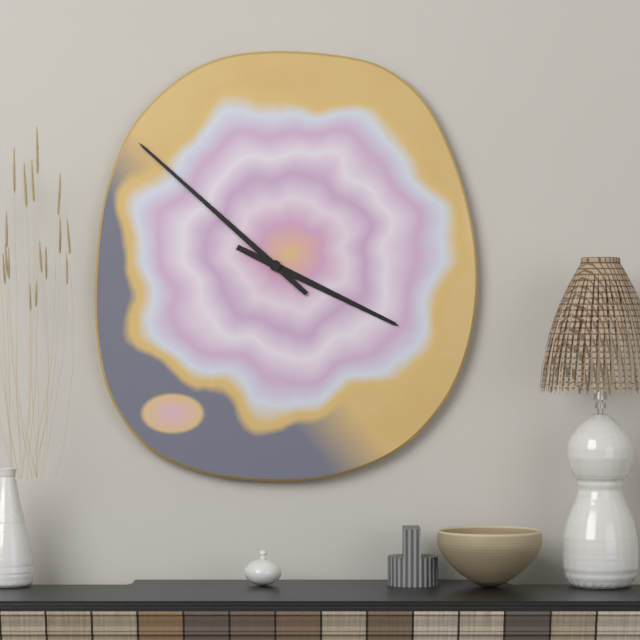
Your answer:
**3:52**
